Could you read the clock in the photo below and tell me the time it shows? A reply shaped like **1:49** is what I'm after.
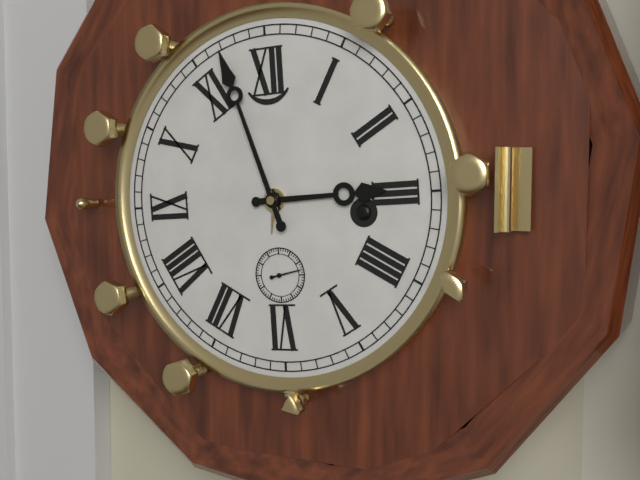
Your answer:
**2:57**
